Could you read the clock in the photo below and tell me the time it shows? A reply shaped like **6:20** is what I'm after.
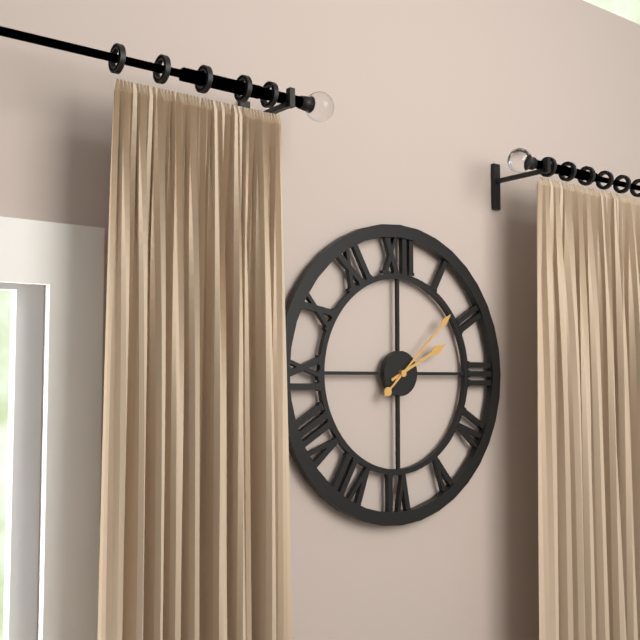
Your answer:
**2:08**
